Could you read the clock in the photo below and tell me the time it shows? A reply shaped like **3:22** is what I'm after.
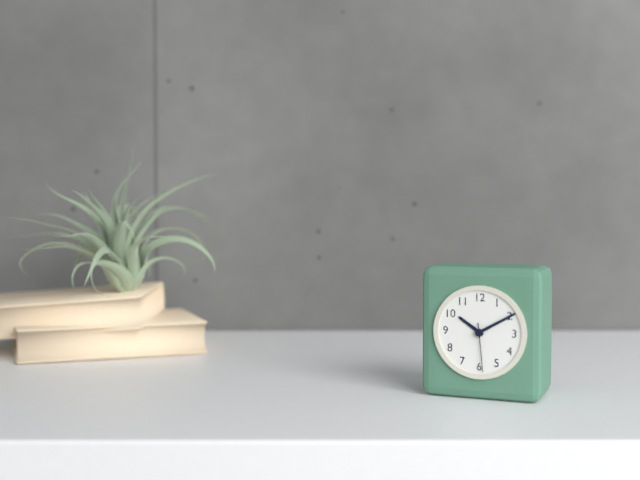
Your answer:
**10:10**
